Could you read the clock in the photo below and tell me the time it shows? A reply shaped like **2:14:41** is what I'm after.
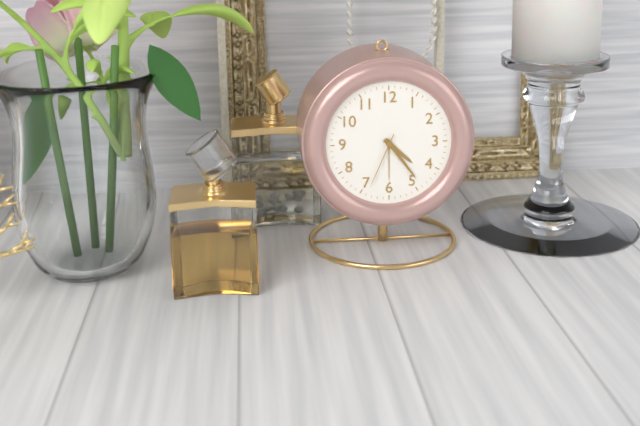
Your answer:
**4:24:34**
